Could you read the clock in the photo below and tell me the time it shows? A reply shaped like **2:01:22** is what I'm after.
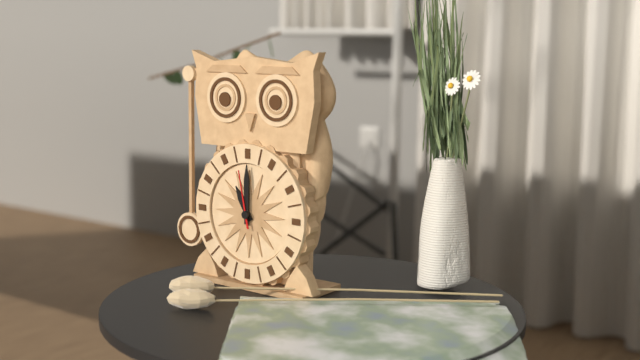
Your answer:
**11:00:58**
